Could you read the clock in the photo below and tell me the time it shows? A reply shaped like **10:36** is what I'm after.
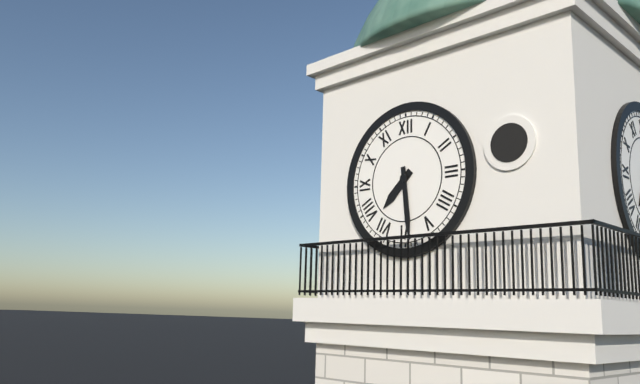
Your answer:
**7:29**
